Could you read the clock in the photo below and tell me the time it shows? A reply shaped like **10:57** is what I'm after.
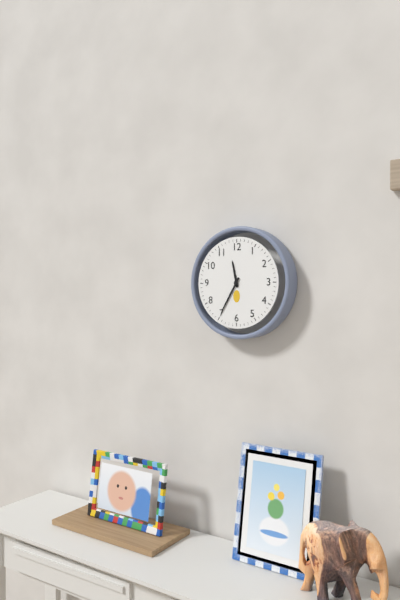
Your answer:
**11:35**
